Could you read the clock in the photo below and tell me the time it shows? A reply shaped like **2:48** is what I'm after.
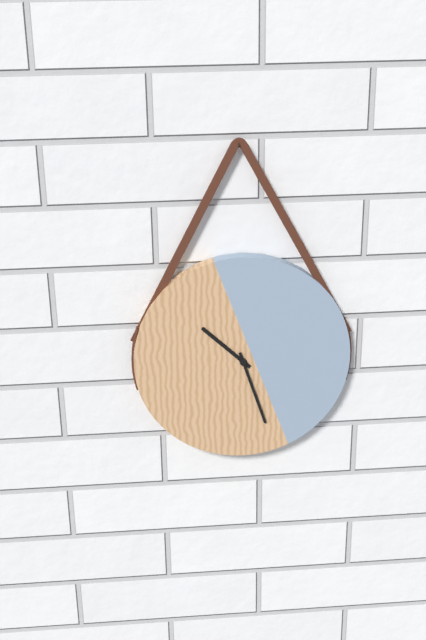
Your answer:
**10:27**
